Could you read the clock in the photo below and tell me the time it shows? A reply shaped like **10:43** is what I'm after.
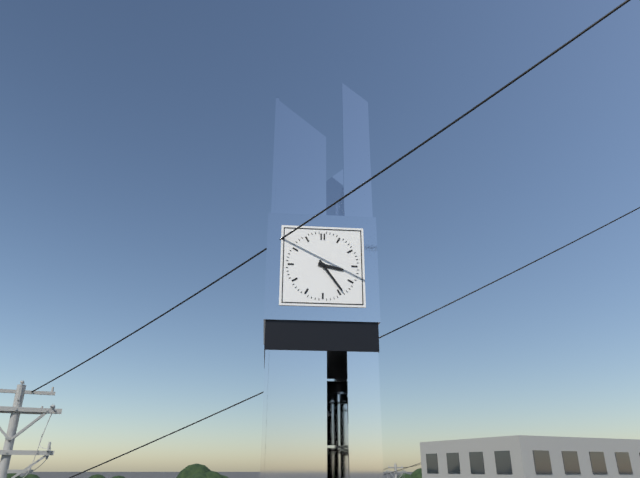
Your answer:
**3:24**
